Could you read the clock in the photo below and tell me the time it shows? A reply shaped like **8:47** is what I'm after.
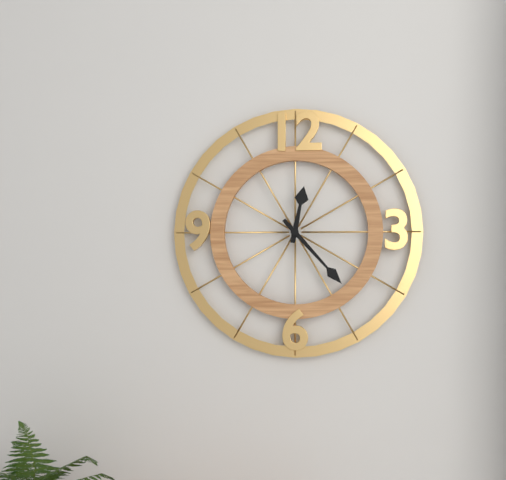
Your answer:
**12:23**
